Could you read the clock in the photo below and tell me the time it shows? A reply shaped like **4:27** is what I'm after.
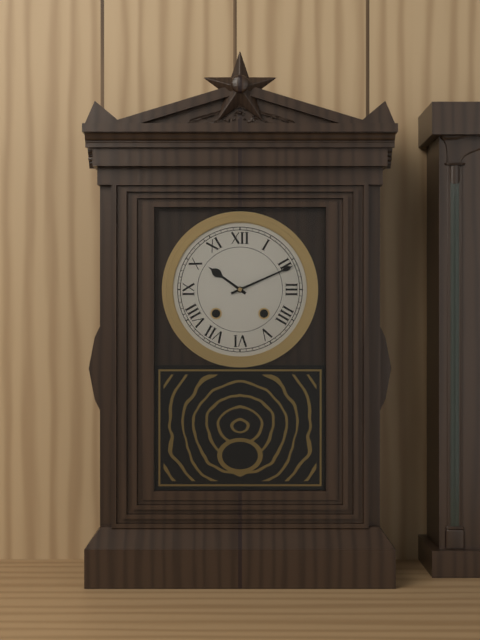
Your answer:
**10:11**
